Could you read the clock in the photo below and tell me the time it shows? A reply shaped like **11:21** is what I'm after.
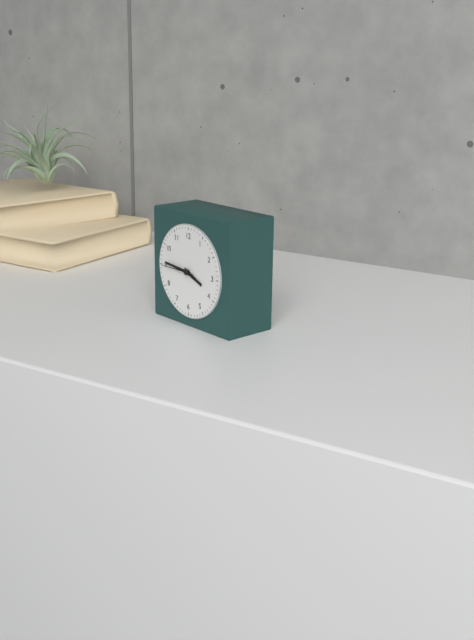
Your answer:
**3:46**
